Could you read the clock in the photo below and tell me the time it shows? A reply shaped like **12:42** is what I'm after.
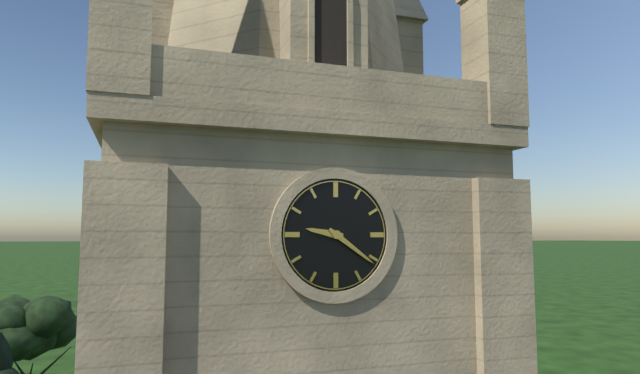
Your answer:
**9:21**
